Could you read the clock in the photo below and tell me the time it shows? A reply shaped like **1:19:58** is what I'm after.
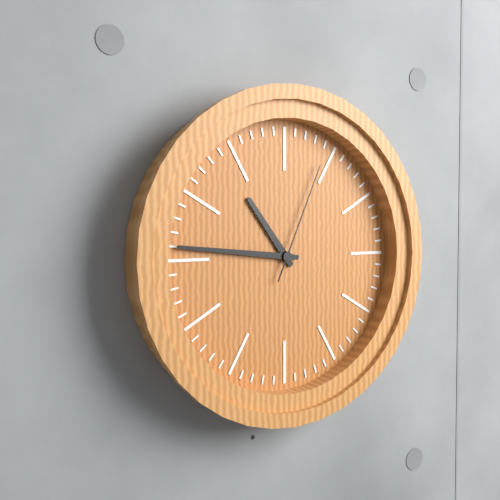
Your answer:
**10:46:04**
